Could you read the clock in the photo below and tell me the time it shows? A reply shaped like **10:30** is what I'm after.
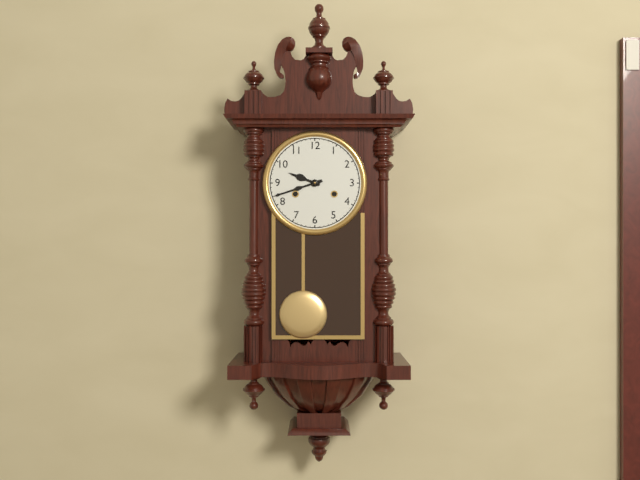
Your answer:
**9:42**
